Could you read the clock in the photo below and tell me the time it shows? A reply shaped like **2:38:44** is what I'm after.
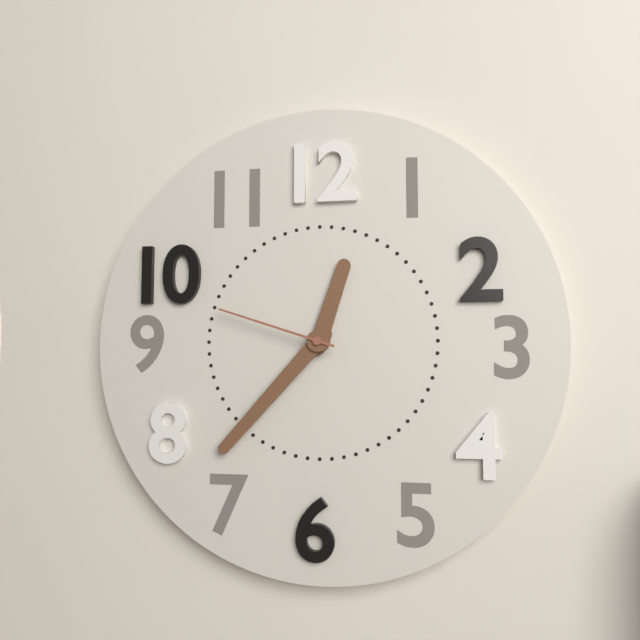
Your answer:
**12:37:48**
